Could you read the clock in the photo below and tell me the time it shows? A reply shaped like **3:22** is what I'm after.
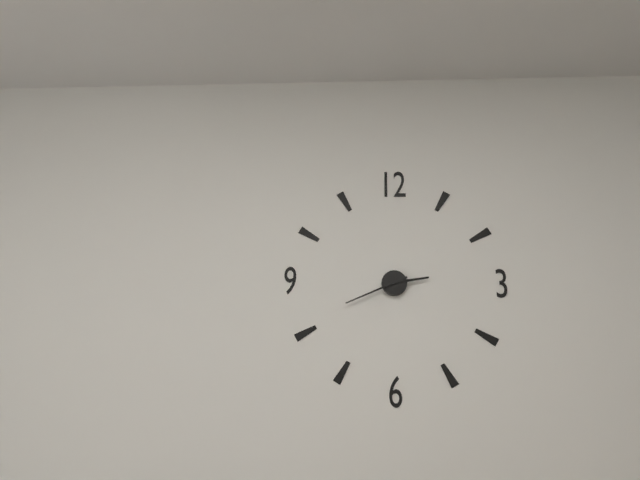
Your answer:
**2:41**
